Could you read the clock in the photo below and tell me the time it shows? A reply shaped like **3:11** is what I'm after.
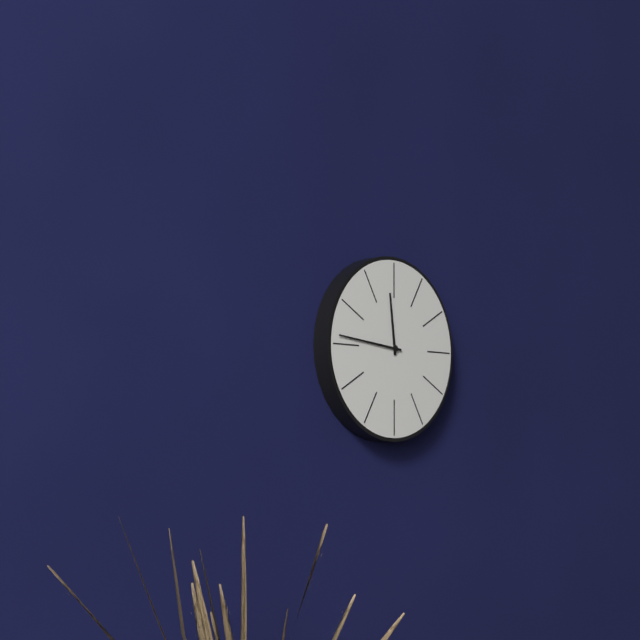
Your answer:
**11:46**
